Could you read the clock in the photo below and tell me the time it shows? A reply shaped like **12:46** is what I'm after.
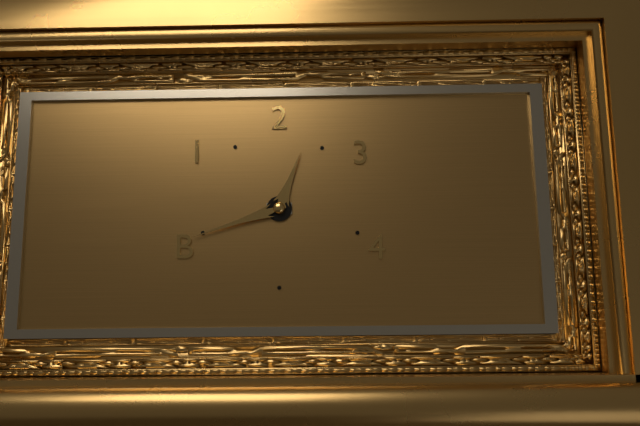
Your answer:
**12:42**
